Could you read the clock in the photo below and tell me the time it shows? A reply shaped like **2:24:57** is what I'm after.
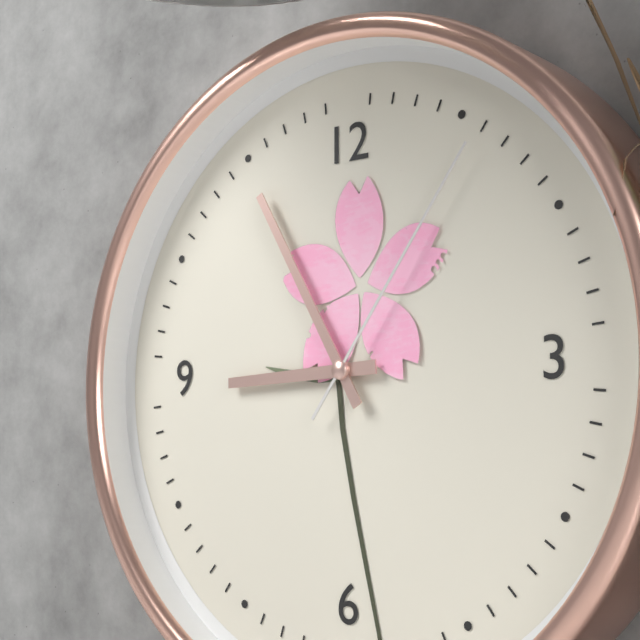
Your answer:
**8:55:06**
